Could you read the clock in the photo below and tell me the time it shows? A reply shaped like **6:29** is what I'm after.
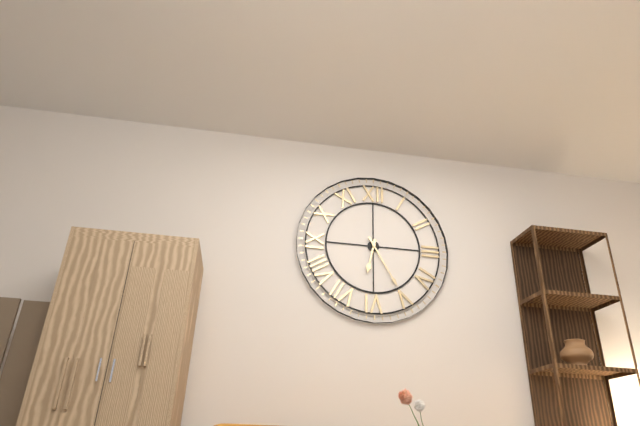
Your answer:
**6:25**
